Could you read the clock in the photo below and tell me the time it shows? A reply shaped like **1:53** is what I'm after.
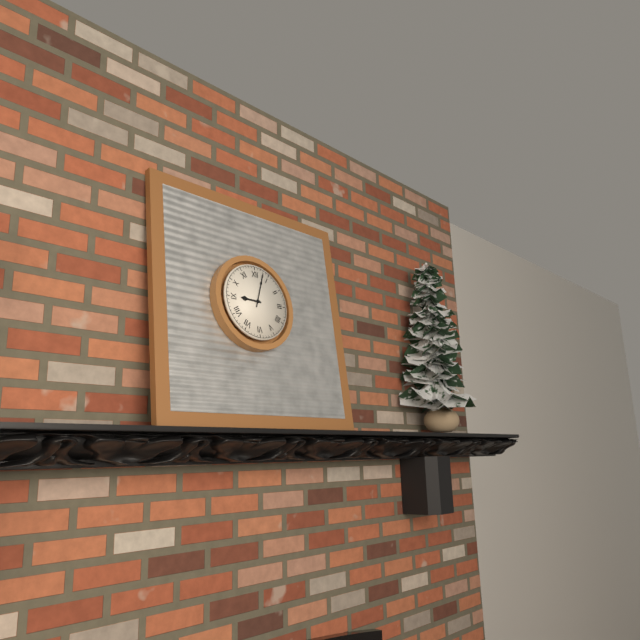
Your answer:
**9:03**
